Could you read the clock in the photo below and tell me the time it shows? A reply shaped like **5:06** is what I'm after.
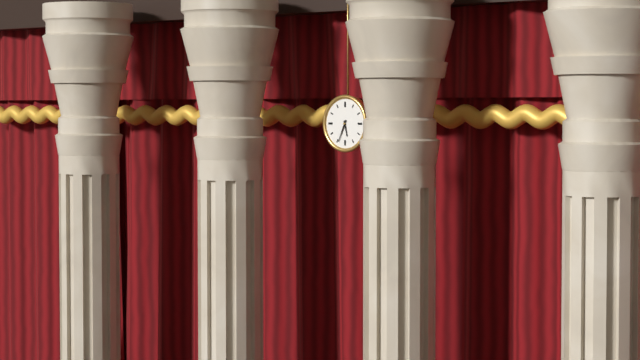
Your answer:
**5:34**
